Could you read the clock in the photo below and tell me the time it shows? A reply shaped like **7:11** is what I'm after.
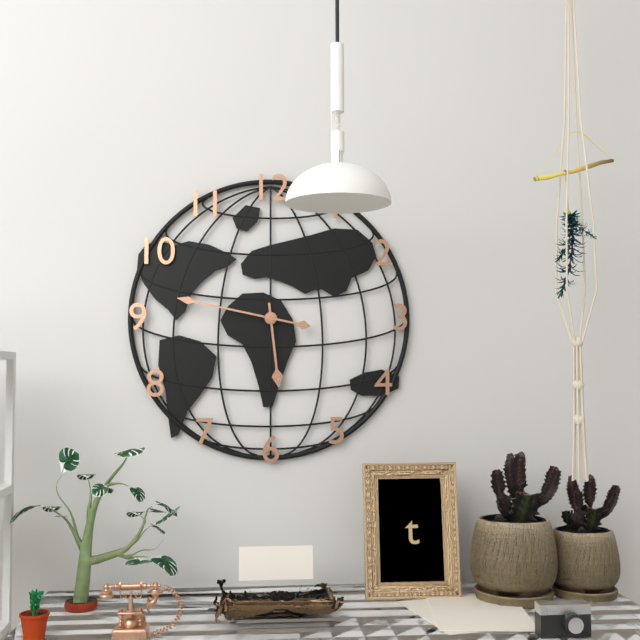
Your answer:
**5:47**
